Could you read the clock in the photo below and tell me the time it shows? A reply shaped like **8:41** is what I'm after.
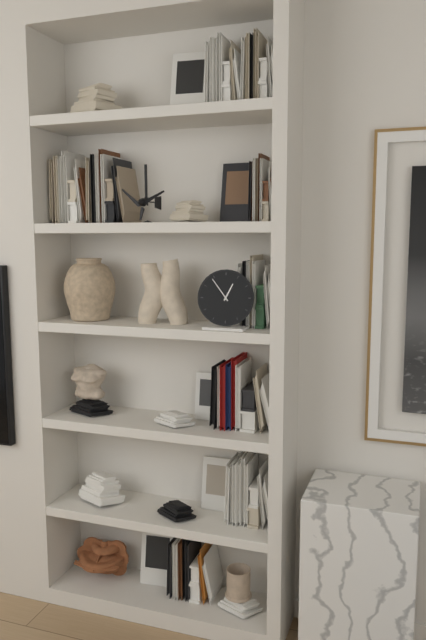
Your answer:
**12:54**
